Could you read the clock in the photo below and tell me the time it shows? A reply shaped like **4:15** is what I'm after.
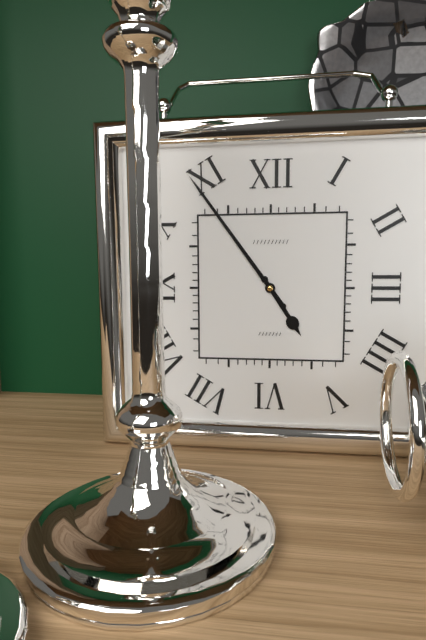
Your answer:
**4:54**
